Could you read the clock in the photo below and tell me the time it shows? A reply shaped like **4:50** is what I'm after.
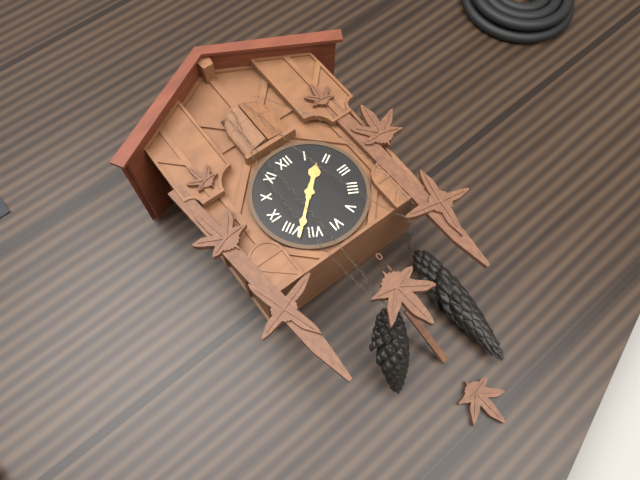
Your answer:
**1:38**
